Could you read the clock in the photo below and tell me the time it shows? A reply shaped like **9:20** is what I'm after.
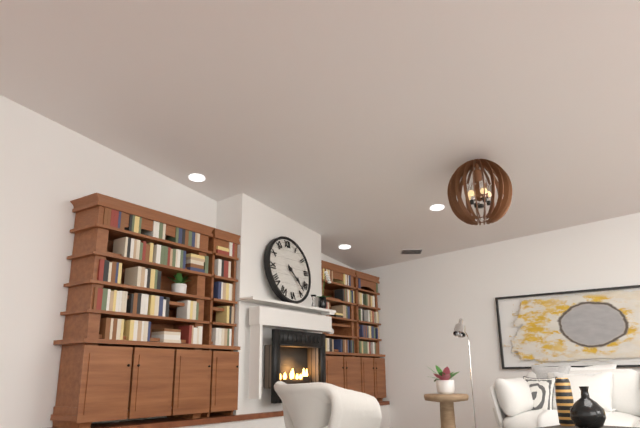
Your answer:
**4:23**
